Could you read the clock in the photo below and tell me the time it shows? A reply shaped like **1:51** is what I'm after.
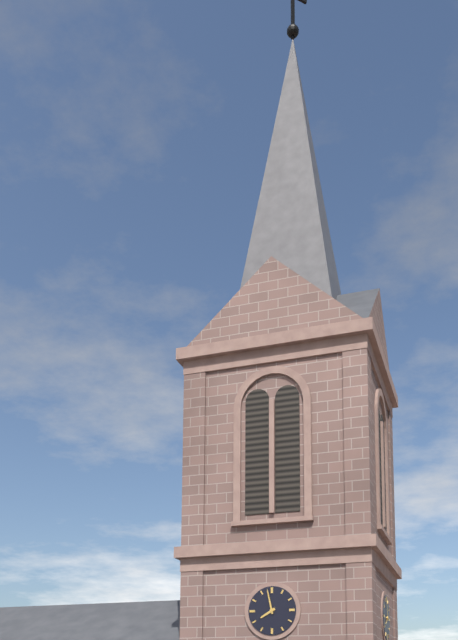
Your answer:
**7:58**
